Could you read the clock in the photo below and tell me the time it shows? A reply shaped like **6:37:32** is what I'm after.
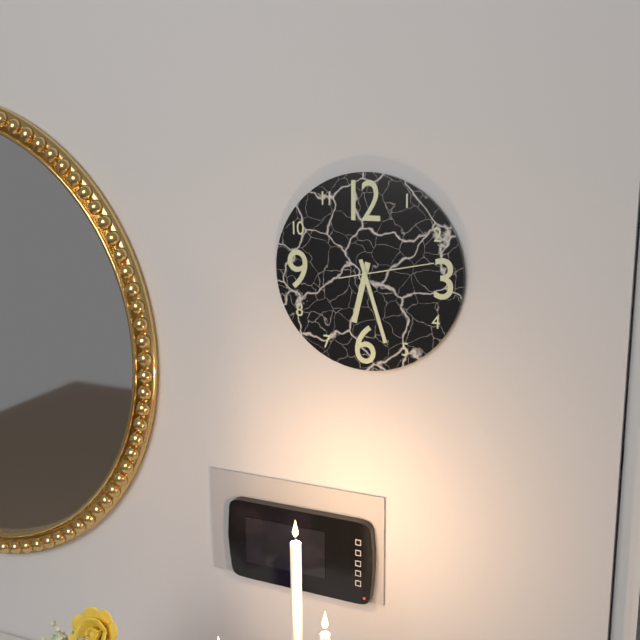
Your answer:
**6:27:13**
